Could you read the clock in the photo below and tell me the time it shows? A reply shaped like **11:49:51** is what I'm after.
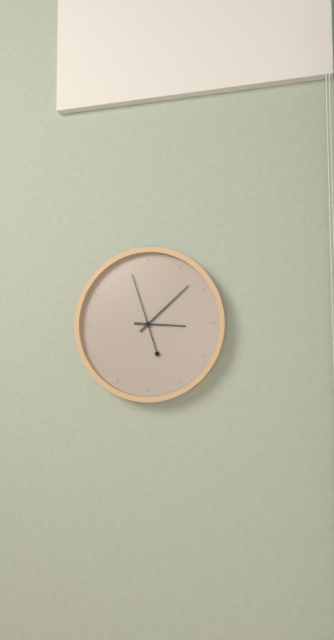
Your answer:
**3:08:57**
